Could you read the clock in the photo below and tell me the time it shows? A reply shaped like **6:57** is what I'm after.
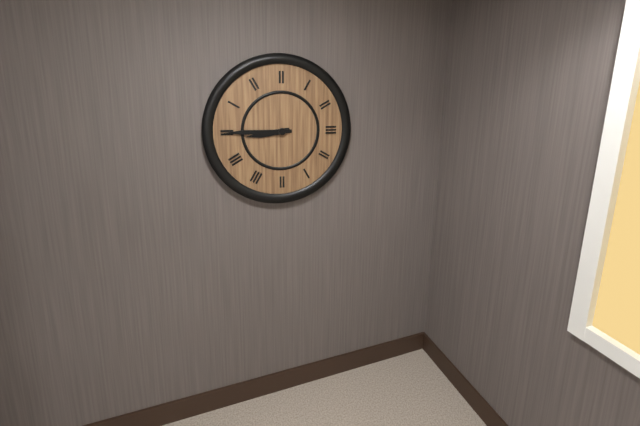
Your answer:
**8:45**
